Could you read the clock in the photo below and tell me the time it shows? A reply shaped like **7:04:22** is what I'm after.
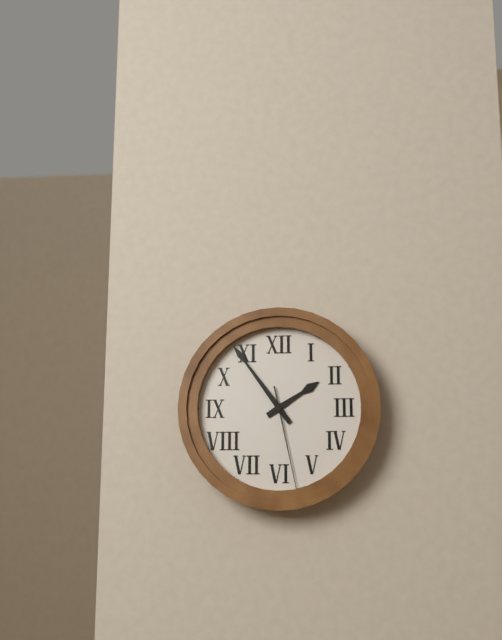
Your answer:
**1:54:28**
